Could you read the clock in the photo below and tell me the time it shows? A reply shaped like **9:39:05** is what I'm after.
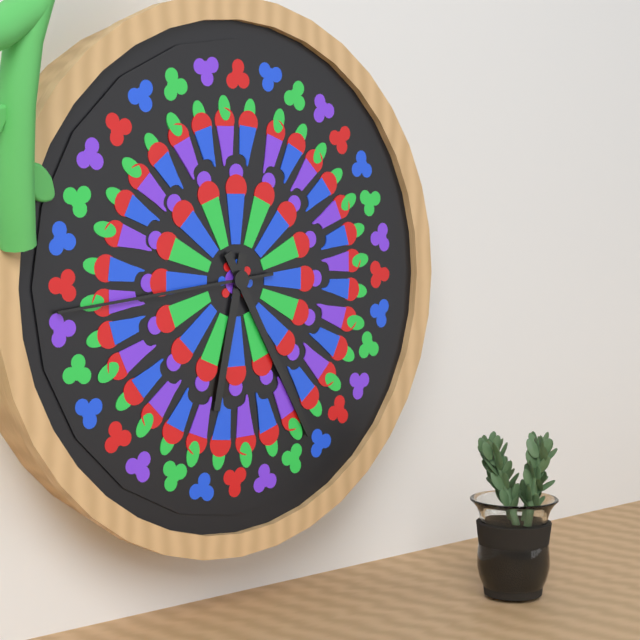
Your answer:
**6:25:44**
